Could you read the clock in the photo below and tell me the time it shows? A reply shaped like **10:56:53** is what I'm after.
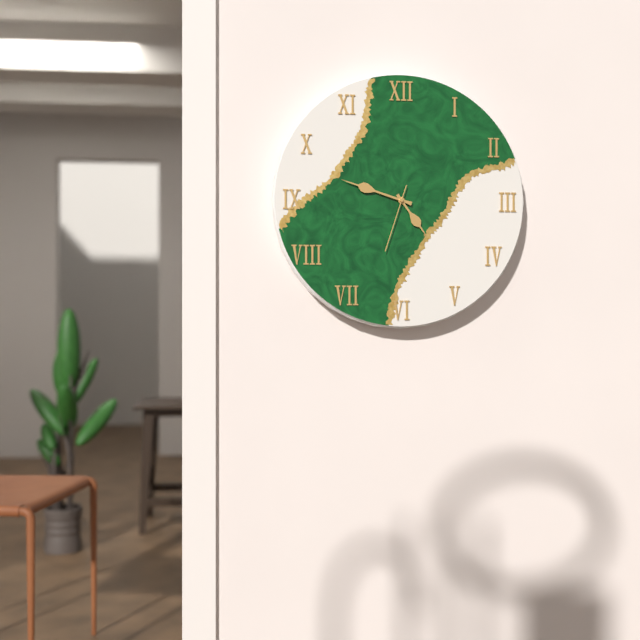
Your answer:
**4:48:33**
